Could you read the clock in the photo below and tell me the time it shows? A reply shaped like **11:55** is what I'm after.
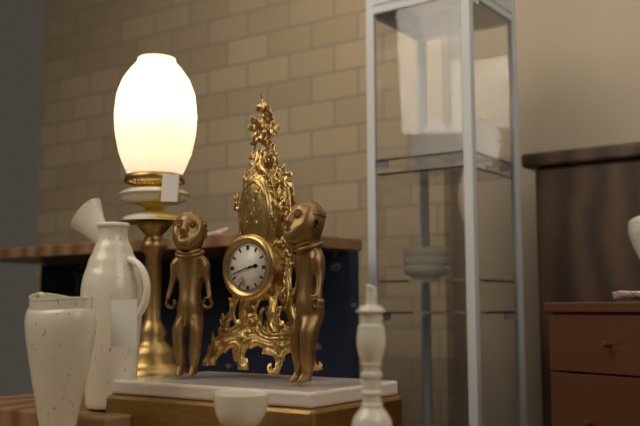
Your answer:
**2:42**
